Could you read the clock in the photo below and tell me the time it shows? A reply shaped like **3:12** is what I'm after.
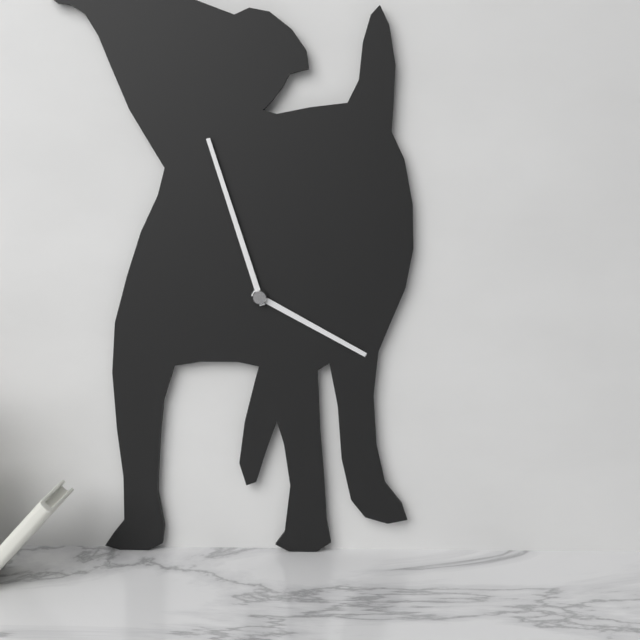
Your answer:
**3:57**
